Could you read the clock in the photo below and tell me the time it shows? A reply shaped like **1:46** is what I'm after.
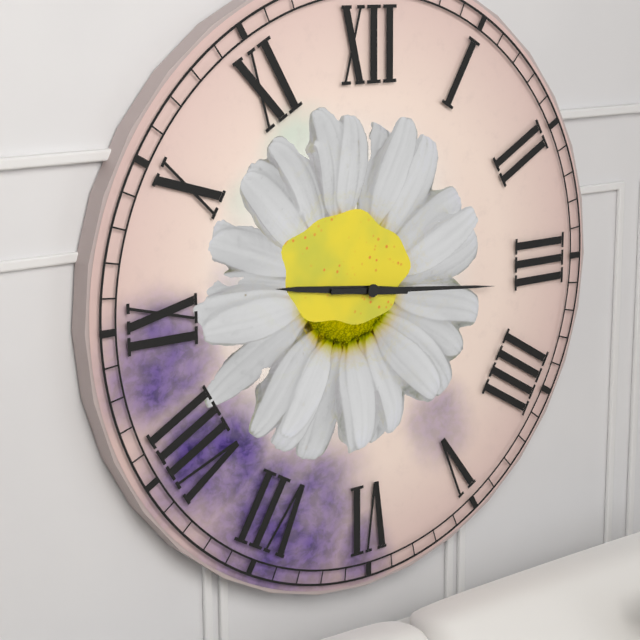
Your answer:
**9:16**
